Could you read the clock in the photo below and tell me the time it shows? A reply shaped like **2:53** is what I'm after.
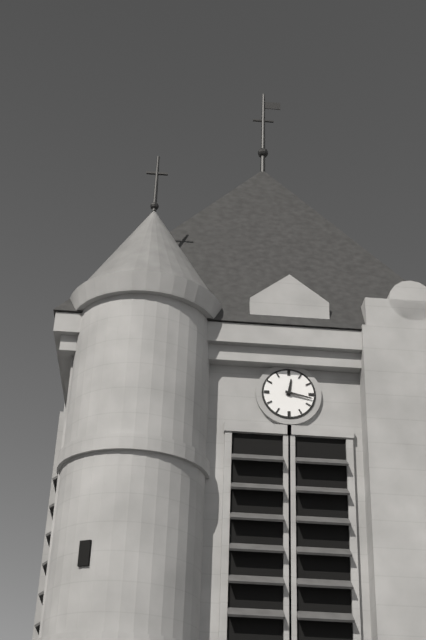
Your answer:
**12:17**
